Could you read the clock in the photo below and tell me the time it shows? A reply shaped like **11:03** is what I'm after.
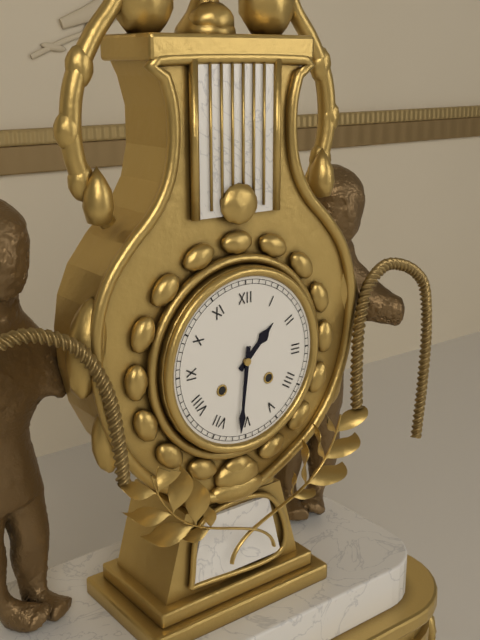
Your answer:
**1:31**
